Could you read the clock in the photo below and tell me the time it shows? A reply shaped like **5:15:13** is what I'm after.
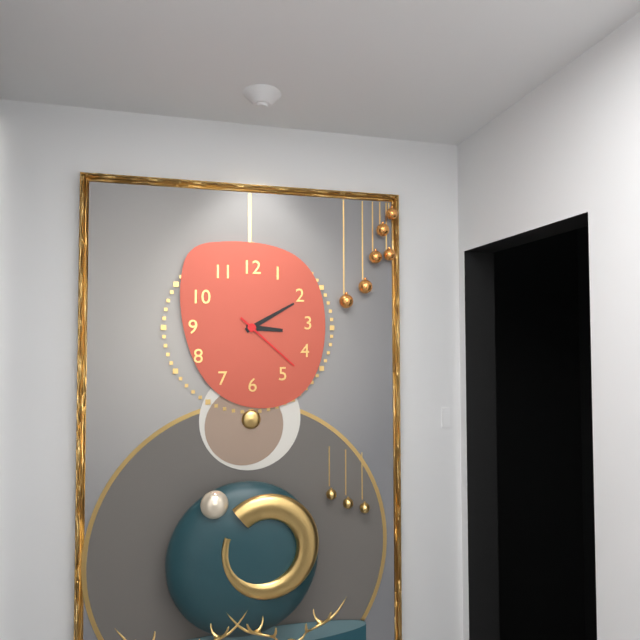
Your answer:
**3:10:22**
